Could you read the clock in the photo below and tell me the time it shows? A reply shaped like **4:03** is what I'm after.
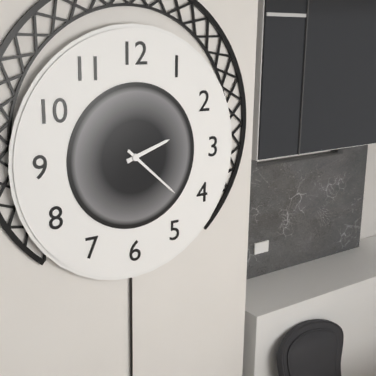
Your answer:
**2:22**
